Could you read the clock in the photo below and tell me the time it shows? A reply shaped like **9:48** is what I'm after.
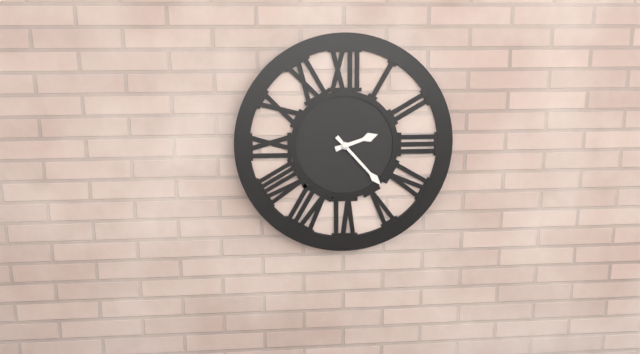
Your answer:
**2:23**
